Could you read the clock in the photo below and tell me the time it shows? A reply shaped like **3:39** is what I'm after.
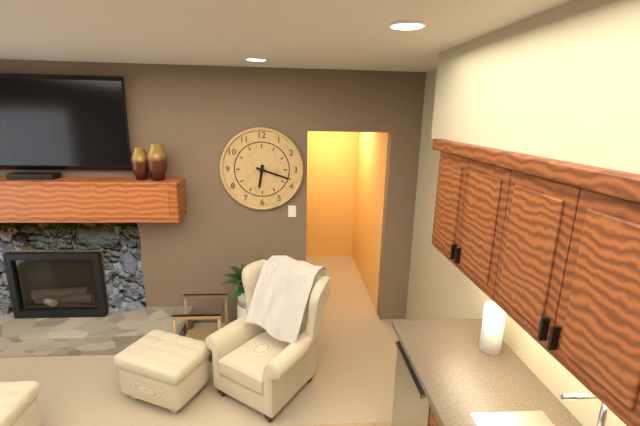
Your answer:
**6:18**
